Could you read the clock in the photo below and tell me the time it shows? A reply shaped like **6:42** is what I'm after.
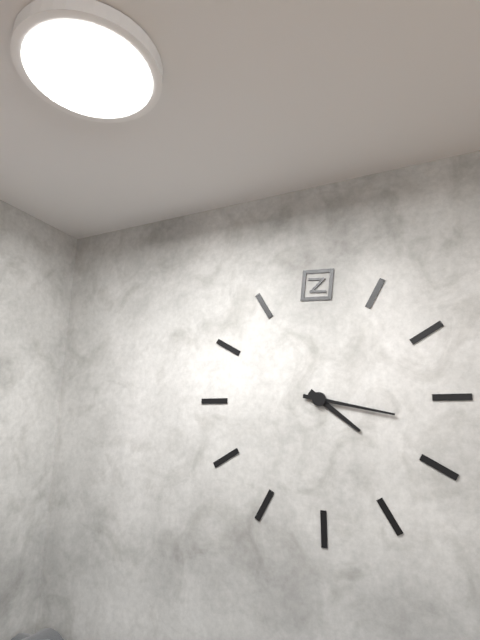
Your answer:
**4:17**
